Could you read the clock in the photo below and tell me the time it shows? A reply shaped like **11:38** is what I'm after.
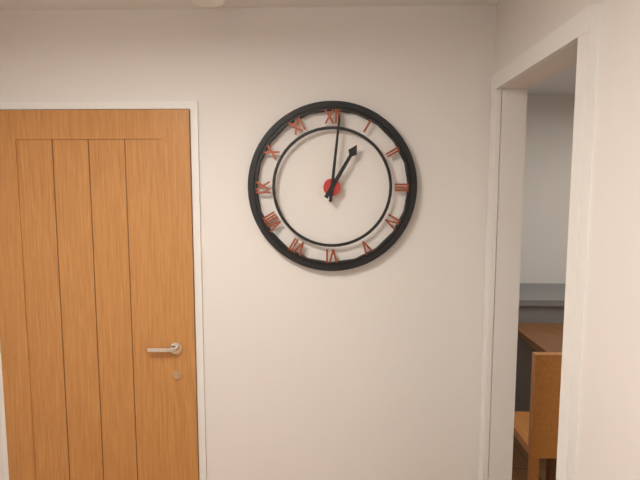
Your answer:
**1:01**
